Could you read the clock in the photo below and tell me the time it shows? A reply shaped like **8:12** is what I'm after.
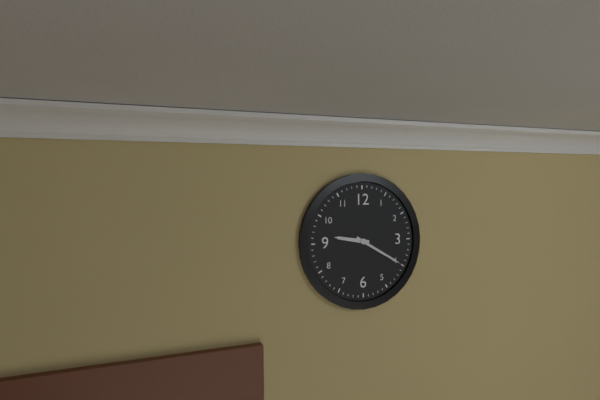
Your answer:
**9:20**
